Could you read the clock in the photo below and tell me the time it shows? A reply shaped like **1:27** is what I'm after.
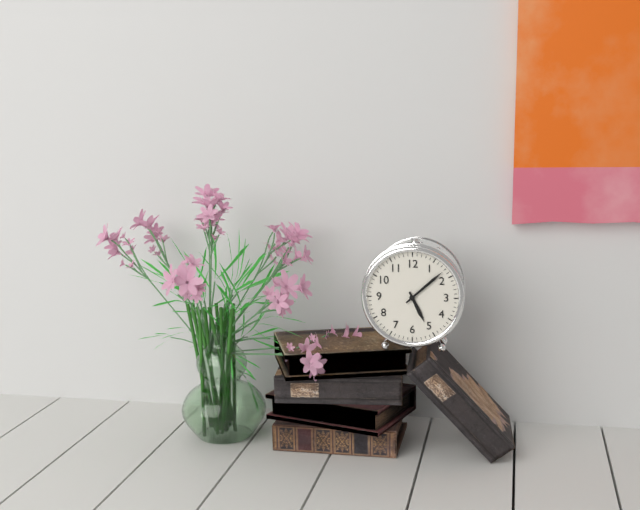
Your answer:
**5:08**
